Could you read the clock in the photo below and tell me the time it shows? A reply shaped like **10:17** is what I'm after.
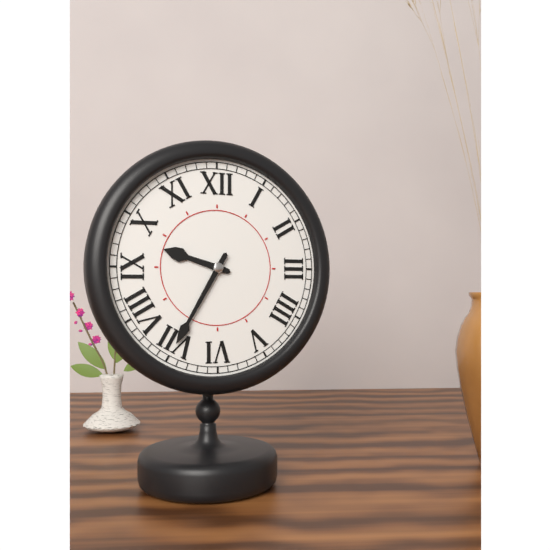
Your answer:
**9:35**
